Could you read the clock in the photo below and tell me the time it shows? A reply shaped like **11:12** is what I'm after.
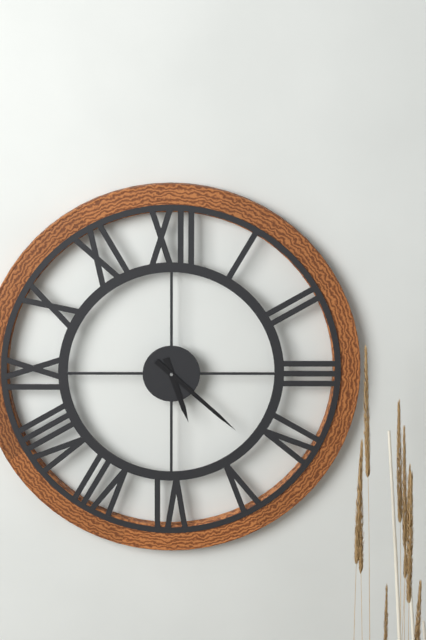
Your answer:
**5:22**
